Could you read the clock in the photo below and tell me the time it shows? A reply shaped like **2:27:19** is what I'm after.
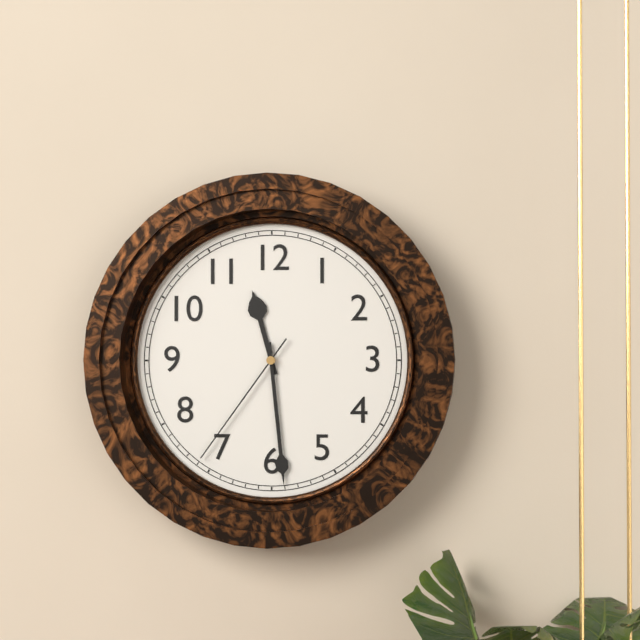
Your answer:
**11:29:36**
